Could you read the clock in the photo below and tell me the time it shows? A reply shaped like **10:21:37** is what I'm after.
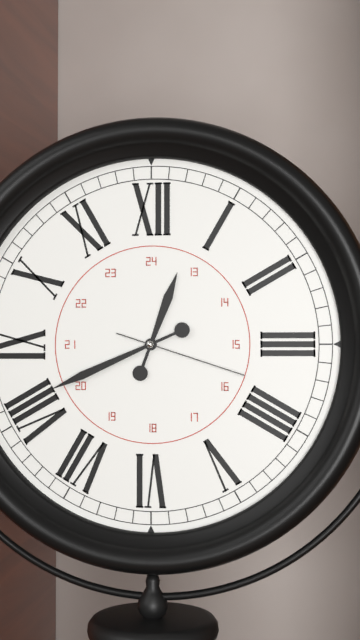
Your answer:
**12:41:18**
